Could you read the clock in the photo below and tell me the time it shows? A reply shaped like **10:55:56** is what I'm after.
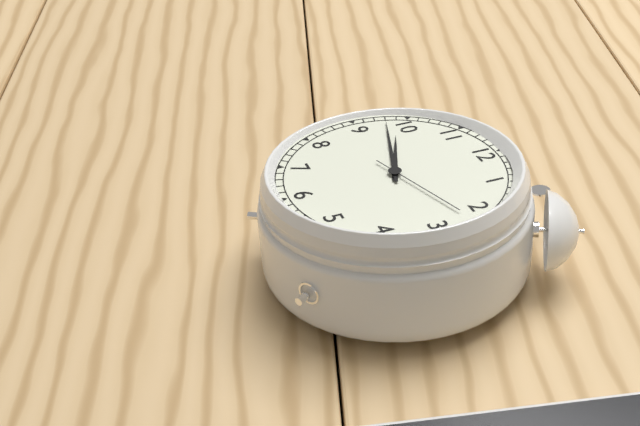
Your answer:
**9:48:12**
